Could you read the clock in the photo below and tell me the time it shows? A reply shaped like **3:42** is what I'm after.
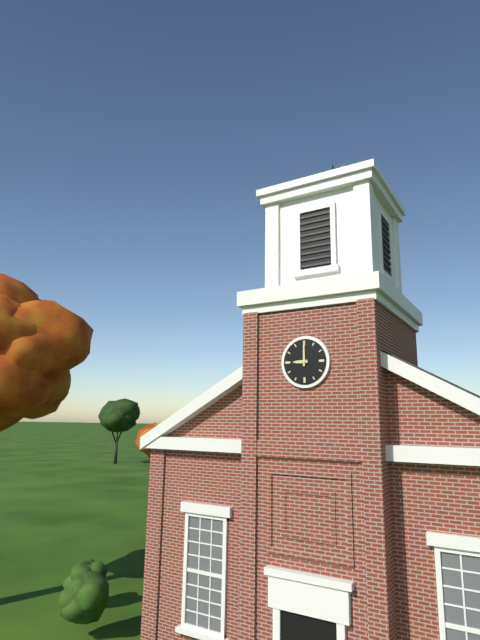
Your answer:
**9:00**
